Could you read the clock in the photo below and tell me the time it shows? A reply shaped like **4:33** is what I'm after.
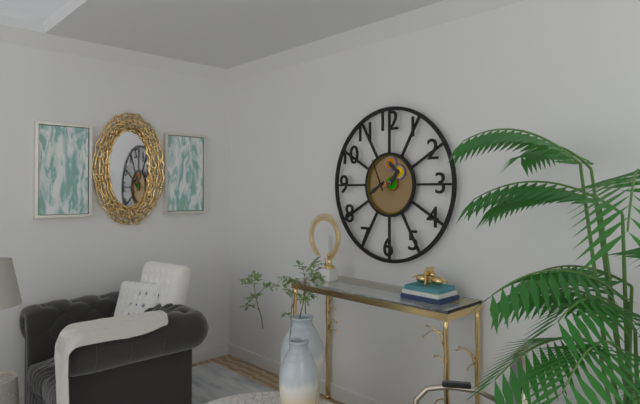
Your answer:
**7:56**
